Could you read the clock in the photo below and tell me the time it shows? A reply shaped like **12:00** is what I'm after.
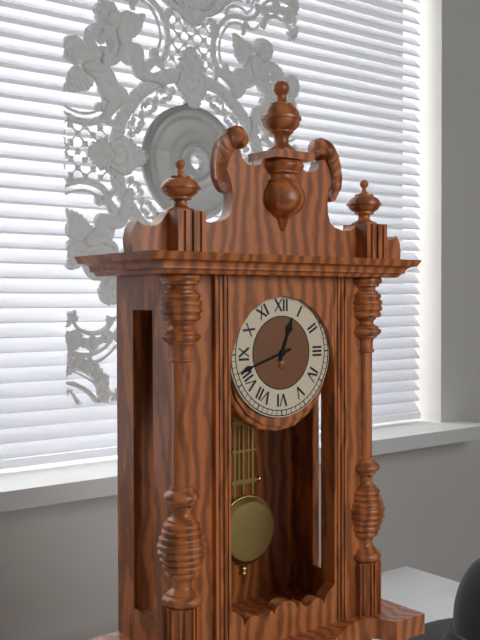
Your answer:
**12:42**
